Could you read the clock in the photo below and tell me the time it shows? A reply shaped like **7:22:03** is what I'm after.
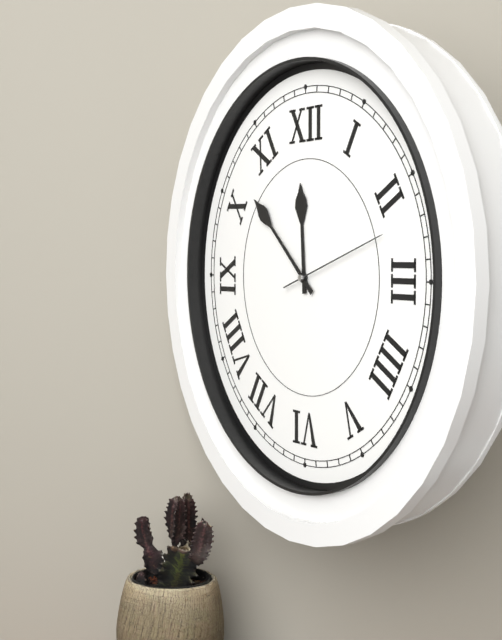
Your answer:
**11:52:12**
